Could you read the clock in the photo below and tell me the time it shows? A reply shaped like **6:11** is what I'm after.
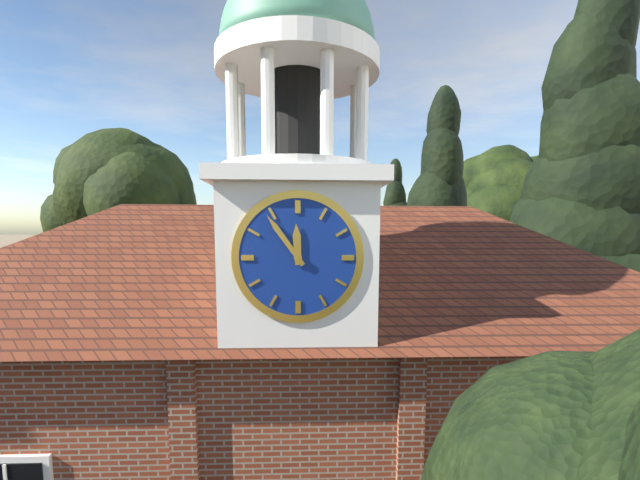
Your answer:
**11:54**
